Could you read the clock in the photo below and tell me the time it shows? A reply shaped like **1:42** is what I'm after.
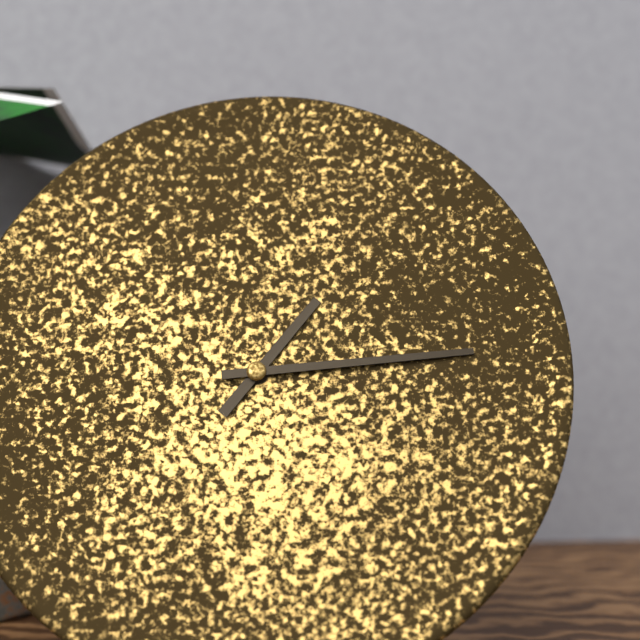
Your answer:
**1:14**
